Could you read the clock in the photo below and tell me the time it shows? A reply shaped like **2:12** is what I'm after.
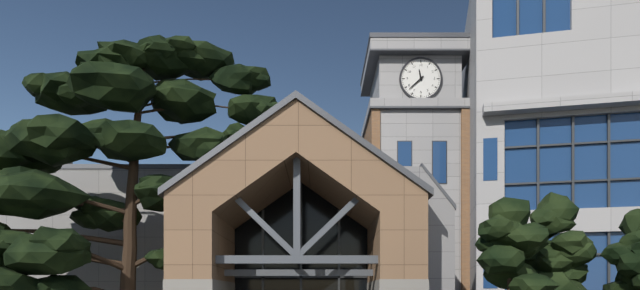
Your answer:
**11:38**
